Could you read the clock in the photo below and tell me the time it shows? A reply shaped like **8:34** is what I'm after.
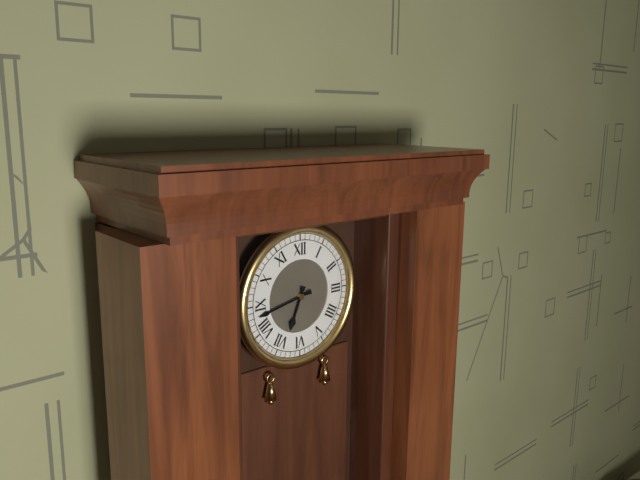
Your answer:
**6:43**
